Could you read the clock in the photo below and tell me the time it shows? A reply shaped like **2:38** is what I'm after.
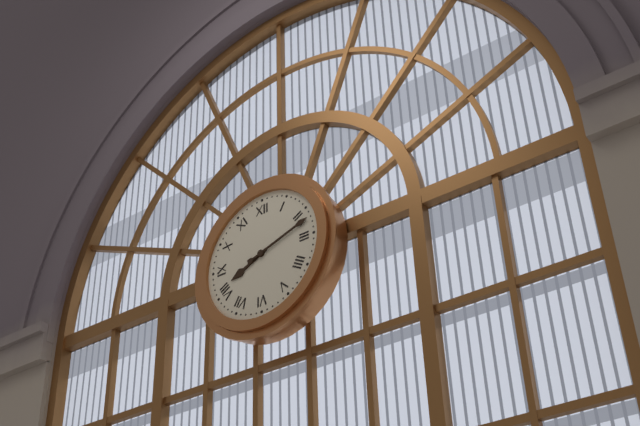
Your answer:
**8:12**
